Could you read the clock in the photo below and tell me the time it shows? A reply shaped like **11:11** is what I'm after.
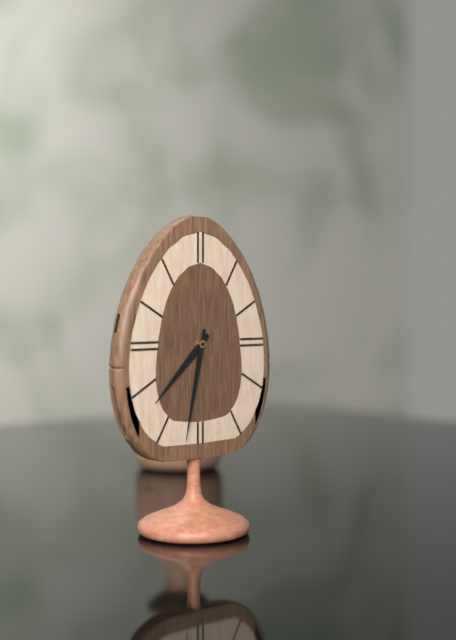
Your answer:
**7:32**
